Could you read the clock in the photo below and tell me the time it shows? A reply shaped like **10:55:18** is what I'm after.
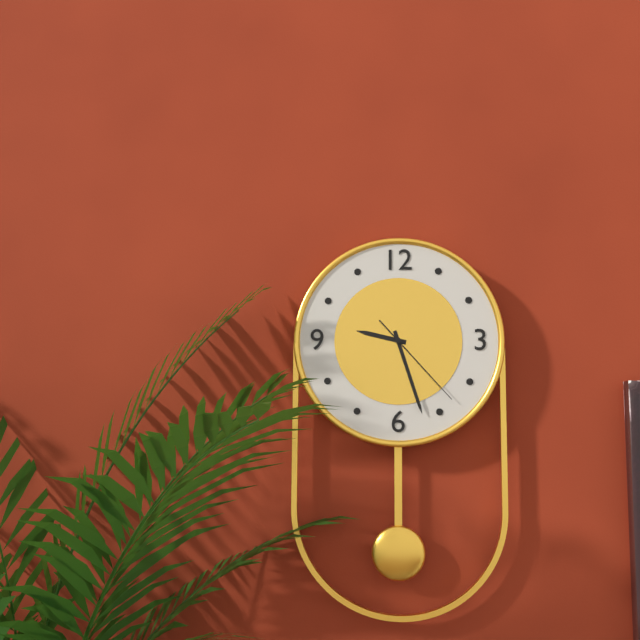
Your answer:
**9:27:23**
